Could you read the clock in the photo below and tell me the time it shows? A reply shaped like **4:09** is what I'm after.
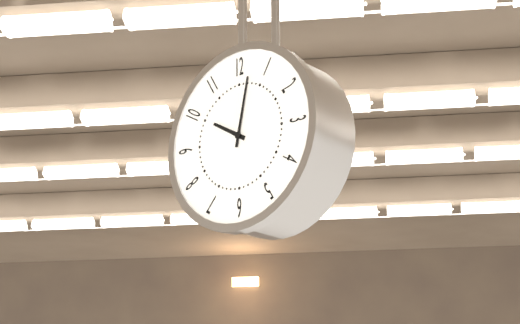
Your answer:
**10:02**
